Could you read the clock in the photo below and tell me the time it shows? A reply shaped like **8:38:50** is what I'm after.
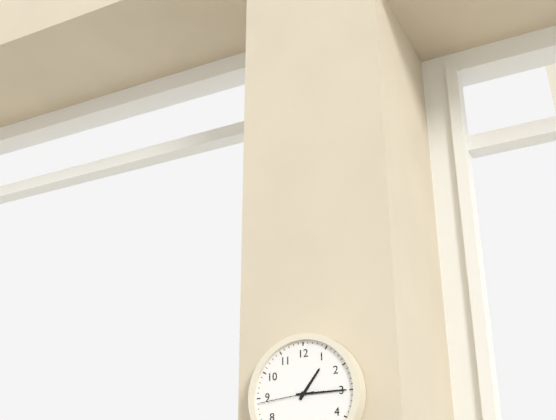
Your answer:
**1:15:44**
